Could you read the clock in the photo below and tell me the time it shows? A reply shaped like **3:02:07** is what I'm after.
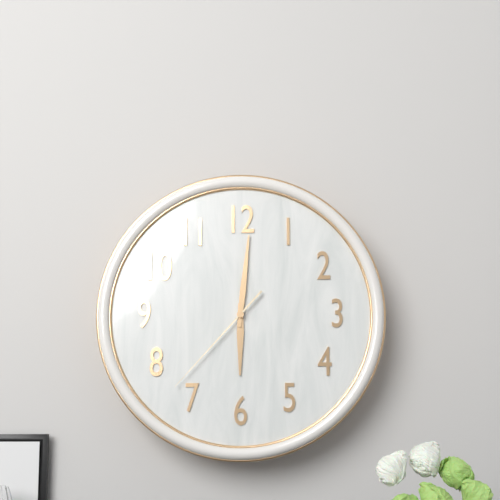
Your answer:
**6:01:37**
